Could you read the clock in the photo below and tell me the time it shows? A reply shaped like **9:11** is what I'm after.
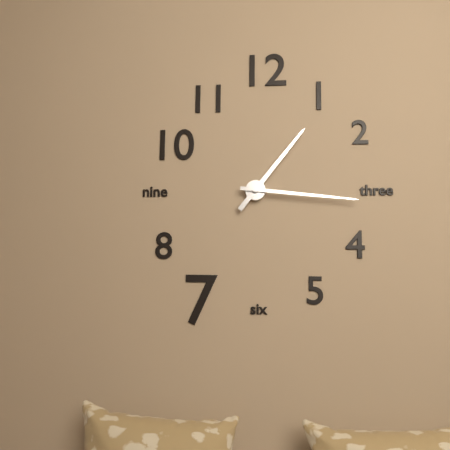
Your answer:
**1:16**
